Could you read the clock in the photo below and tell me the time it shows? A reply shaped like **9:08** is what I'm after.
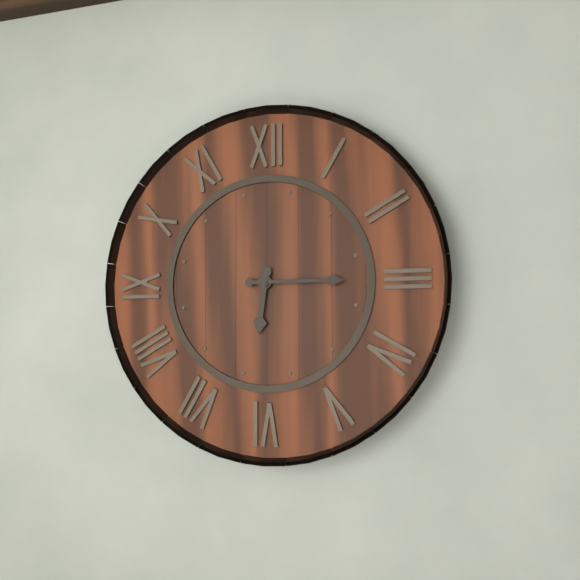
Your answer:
**6:15**
